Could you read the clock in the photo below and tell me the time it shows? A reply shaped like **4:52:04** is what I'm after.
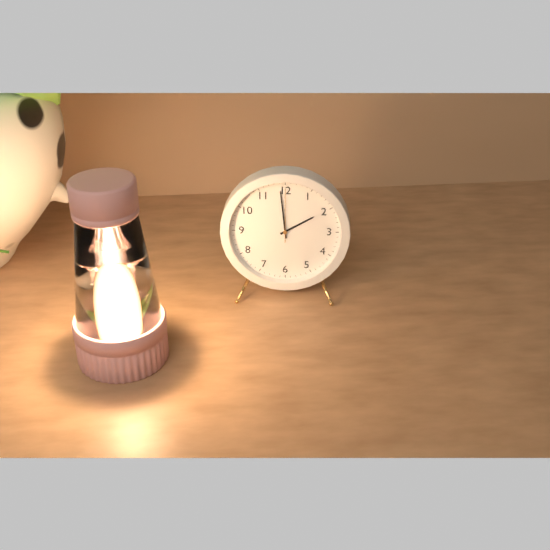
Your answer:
**1:59:00**
